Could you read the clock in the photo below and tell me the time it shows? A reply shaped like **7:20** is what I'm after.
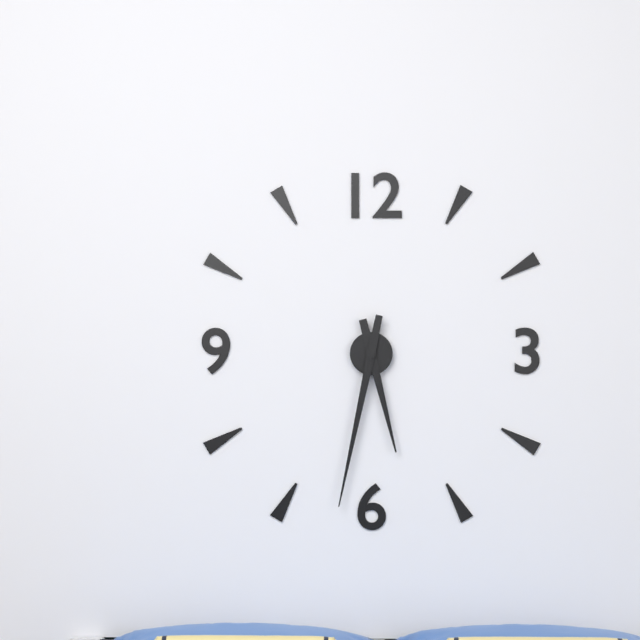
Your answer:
**5:32**
